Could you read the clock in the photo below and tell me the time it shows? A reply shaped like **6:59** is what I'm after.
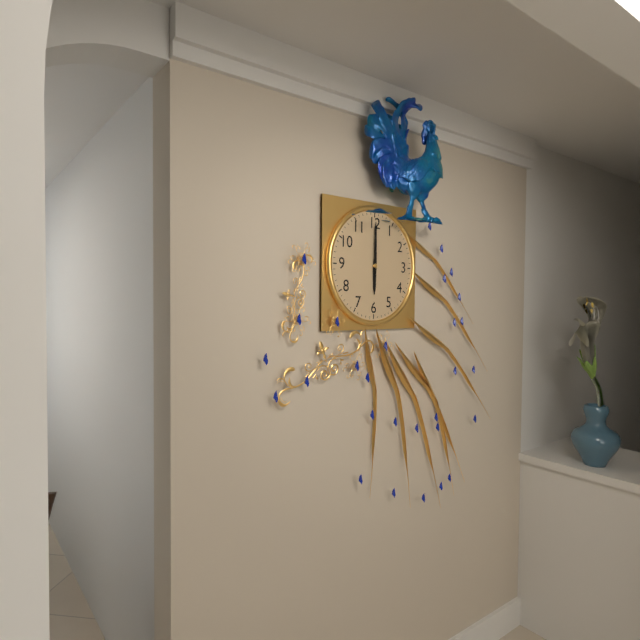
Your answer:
**6:00**
